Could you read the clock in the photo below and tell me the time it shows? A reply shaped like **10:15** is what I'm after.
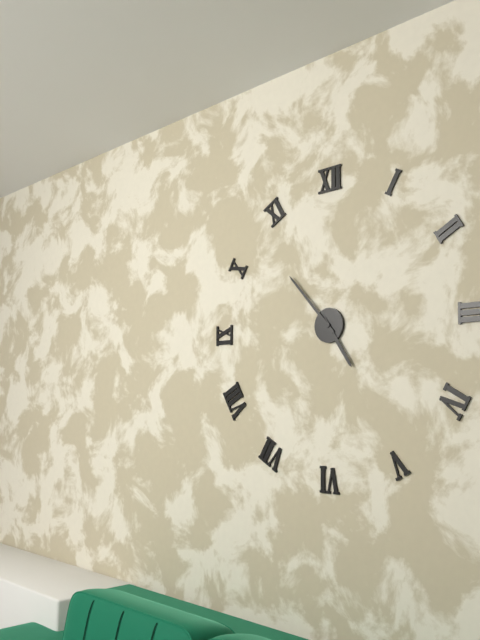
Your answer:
**4:53**
